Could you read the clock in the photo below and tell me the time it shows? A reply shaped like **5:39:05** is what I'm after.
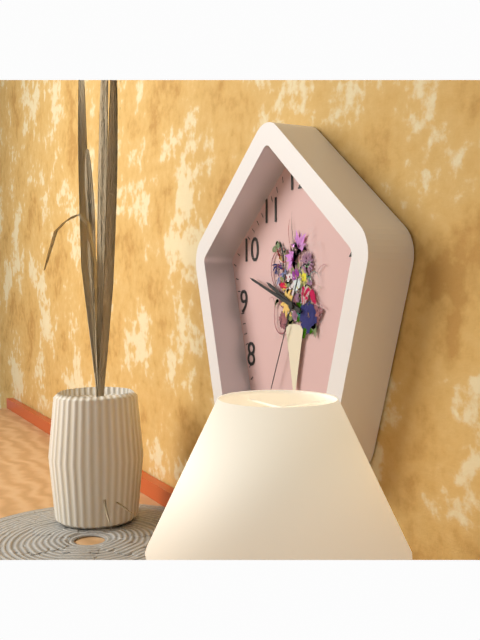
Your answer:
**9:48:34**
